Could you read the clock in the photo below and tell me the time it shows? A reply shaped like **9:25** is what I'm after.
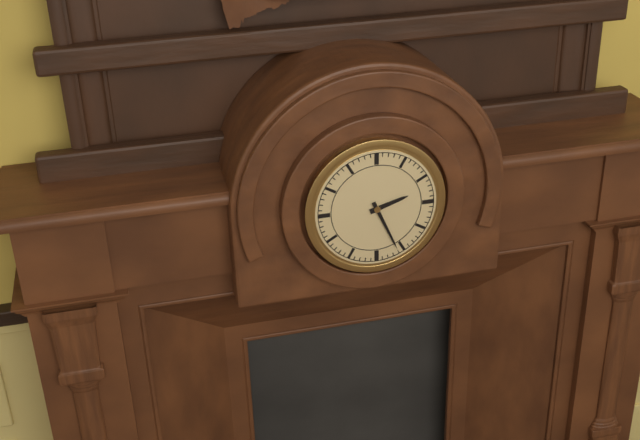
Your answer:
**2:26**
